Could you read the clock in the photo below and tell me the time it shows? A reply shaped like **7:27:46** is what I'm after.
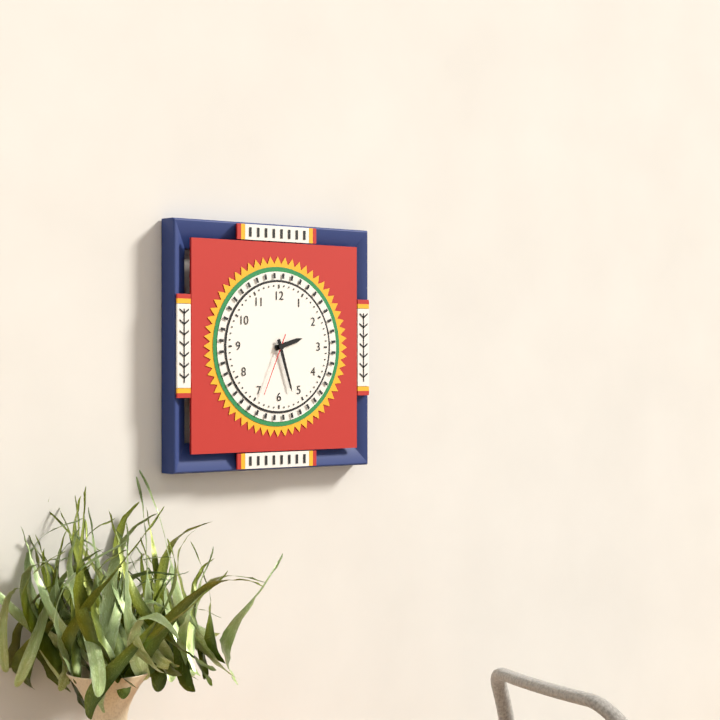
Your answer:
**2:27:34**
